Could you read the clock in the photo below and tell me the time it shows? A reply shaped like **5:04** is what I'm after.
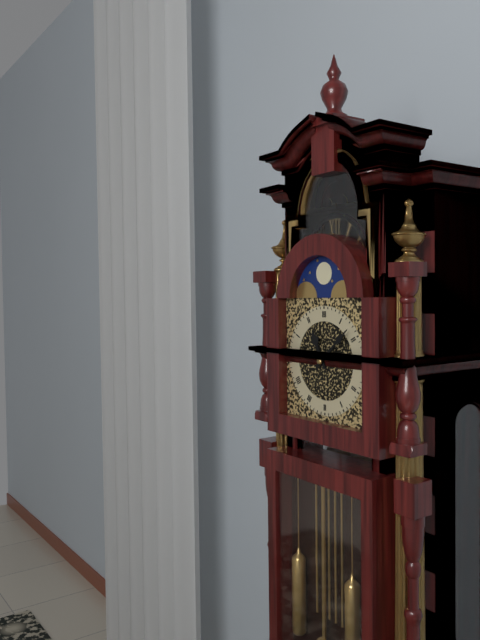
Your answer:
**11:08**
